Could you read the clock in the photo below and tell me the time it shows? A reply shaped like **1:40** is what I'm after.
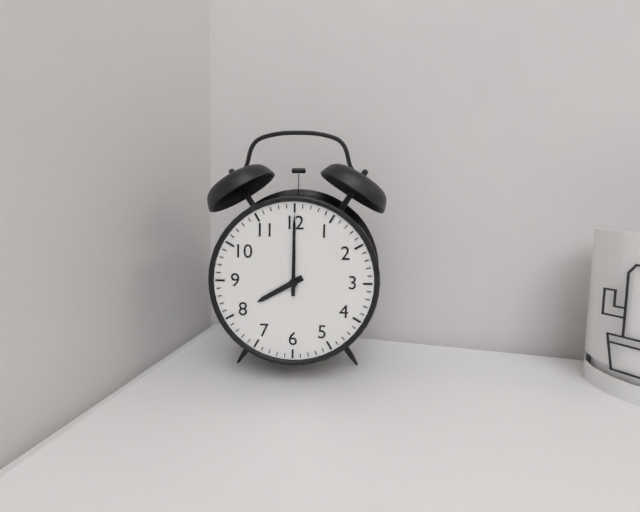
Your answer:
**8:00**
